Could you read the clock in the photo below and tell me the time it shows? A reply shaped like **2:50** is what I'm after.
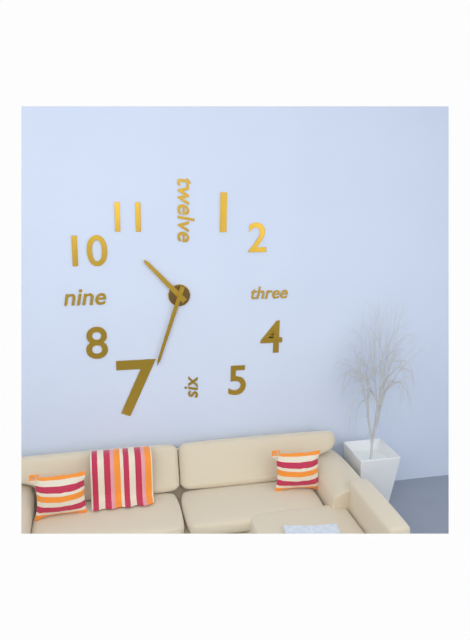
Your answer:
**10:33**
